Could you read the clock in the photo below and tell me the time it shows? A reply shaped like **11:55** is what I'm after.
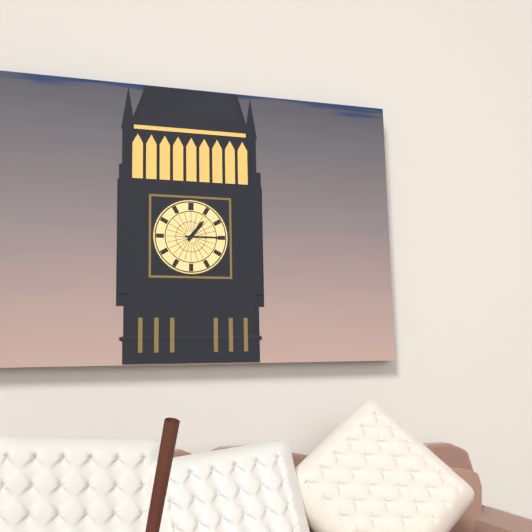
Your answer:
**1:15**
